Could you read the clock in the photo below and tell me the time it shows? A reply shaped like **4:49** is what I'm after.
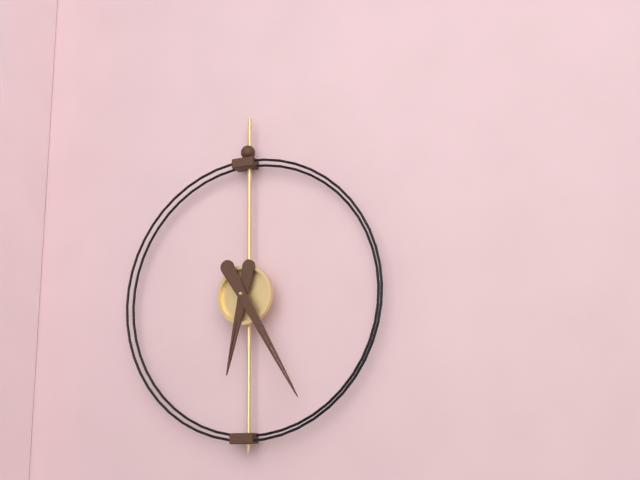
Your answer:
**6:25**
